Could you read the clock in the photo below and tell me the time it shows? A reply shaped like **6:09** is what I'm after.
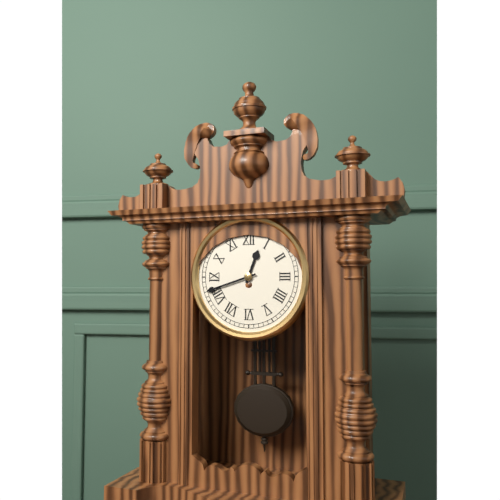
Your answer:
**12:42**
